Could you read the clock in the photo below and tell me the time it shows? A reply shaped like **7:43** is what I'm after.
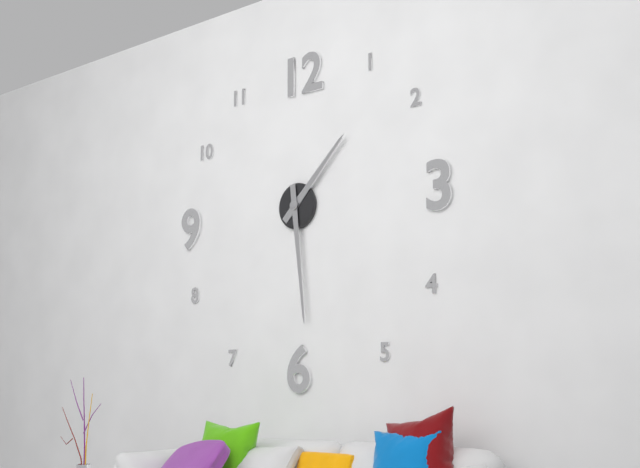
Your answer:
**1:29**
